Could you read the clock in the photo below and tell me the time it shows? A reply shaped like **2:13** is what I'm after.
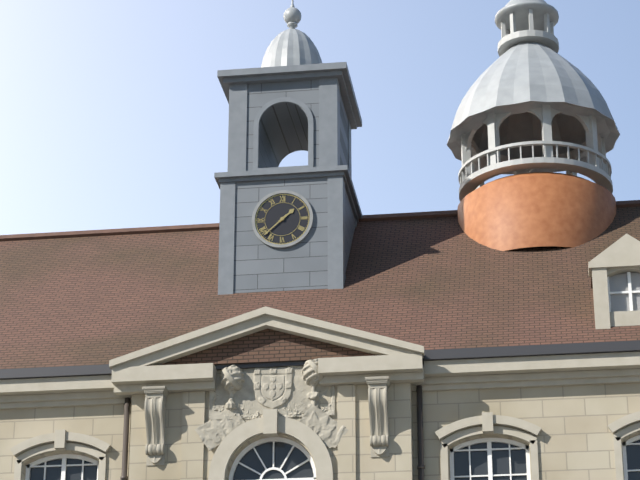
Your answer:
**1:38**
